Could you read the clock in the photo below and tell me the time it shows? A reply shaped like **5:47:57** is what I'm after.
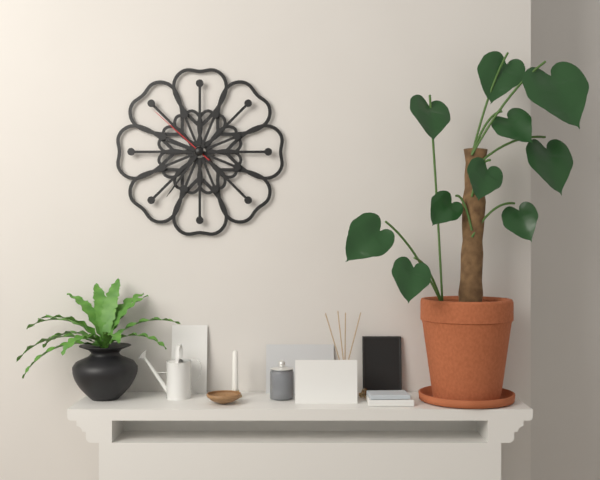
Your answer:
**9:36:52**
